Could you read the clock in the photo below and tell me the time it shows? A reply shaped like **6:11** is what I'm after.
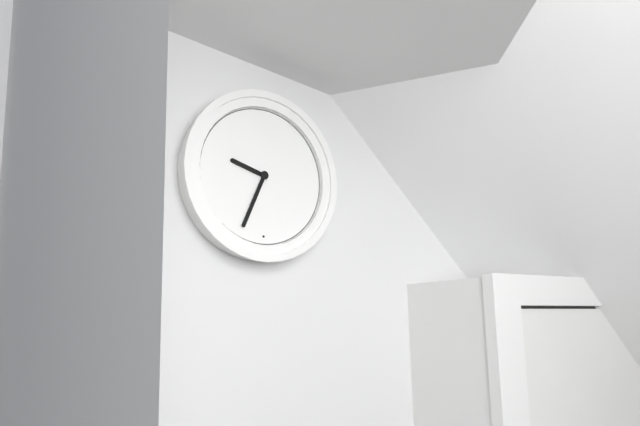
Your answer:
**9:34**
